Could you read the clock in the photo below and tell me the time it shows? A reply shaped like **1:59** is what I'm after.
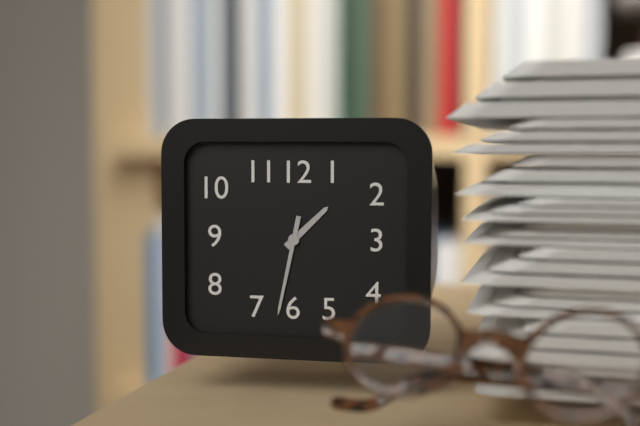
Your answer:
**1:32**
